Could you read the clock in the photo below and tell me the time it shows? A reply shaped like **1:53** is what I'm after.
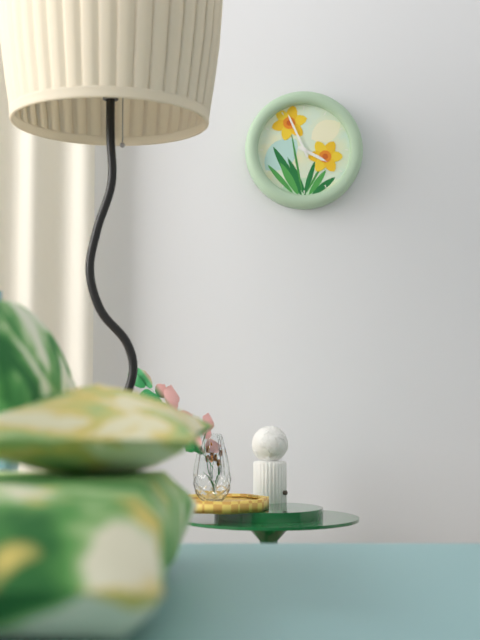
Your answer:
**3:56**
